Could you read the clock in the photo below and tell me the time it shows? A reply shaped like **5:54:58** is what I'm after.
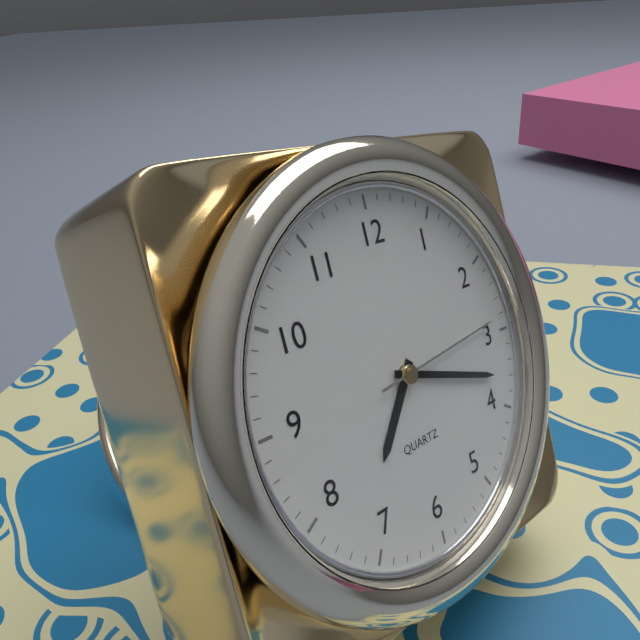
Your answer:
**7:18:14**
